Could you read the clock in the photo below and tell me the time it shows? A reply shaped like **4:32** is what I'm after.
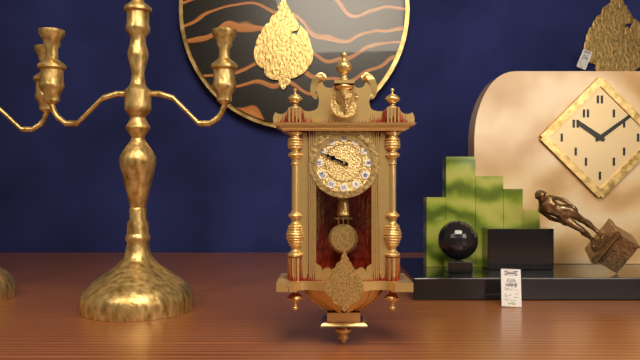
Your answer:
**9:49**
